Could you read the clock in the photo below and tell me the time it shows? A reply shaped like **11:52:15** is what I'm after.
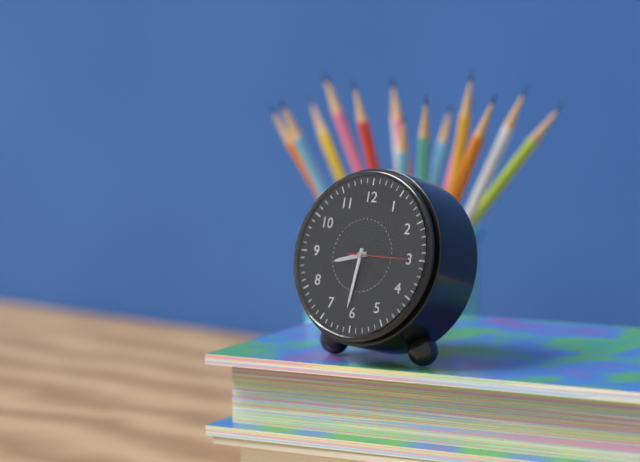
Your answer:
**8:31:15**
